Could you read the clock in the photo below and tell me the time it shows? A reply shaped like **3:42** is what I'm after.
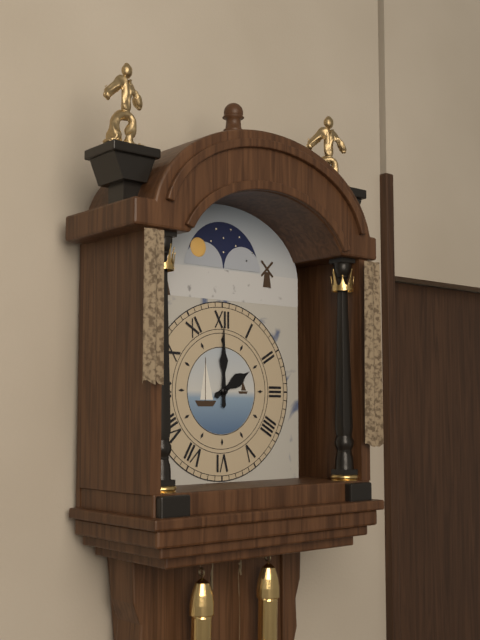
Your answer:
**2:00**
